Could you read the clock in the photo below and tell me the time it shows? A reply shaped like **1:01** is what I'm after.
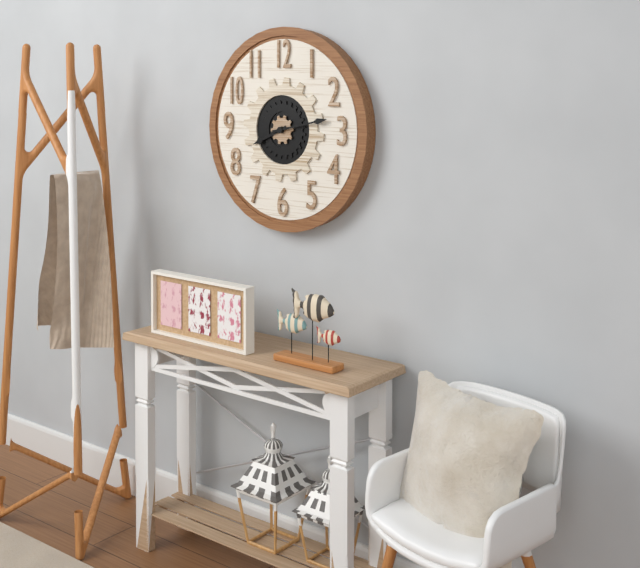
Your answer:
**8:13**
